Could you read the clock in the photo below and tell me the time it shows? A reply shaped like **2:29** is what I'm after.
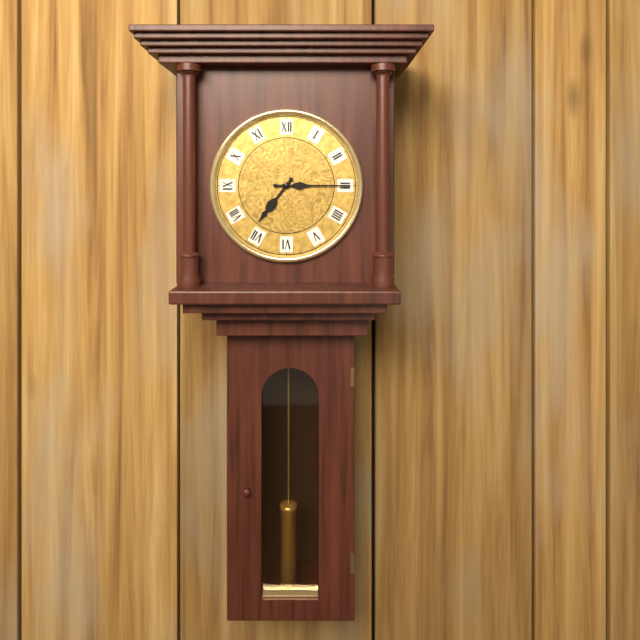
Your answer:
**7:15**
